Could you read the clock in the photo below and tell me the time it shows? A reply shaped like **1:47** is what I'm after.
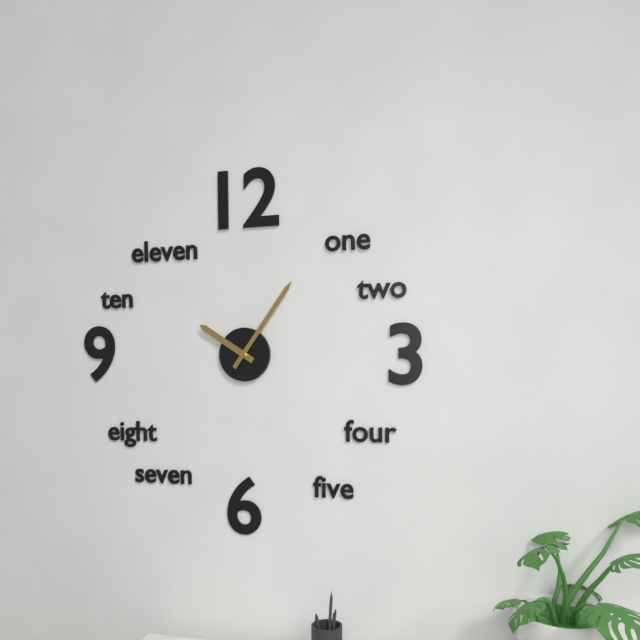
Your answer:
**10:06**
